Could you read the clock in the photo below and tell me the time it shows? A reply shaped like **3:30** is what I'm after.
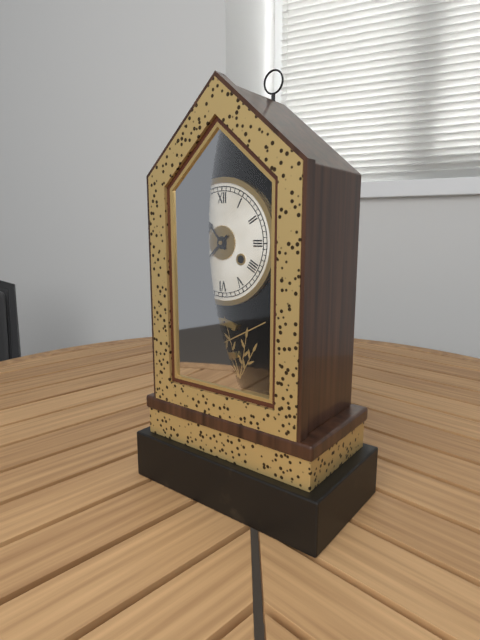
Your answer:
**10:38**
